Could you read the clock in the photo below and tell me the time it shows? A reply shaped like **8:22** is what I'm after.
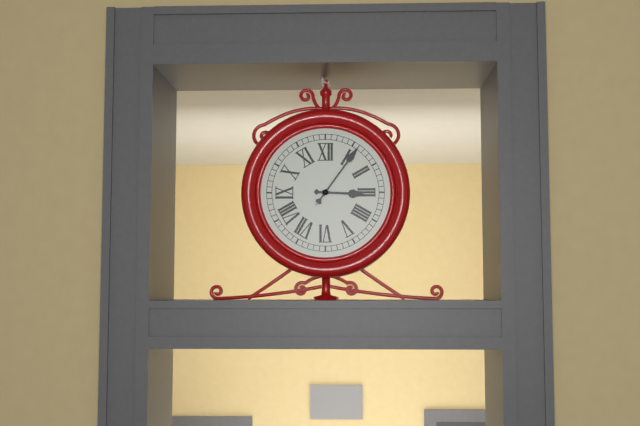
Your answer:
**3:06**
